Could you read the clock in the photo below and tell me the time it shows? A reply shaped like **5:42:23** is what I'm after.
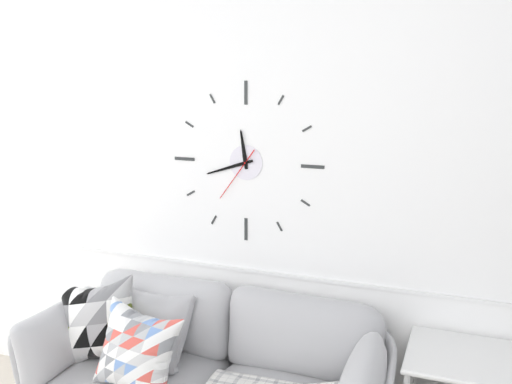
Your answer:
**11:42:36**
